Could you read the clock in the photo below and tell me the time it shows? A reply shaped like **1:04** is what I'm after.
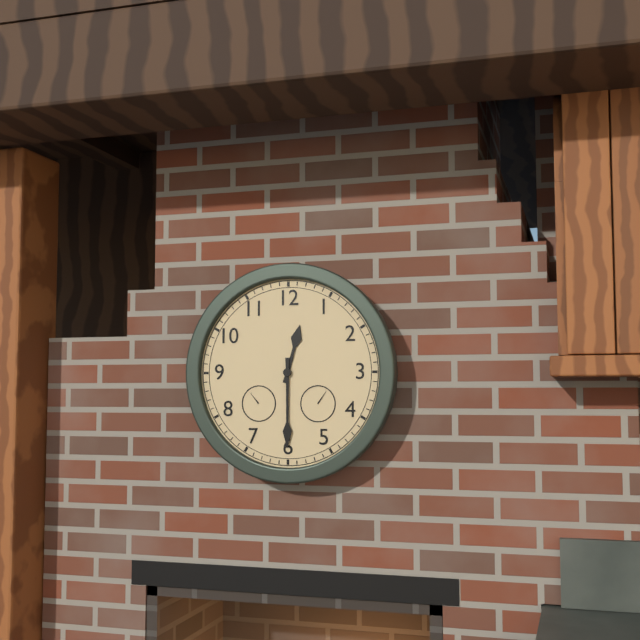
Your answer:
**12:30**
